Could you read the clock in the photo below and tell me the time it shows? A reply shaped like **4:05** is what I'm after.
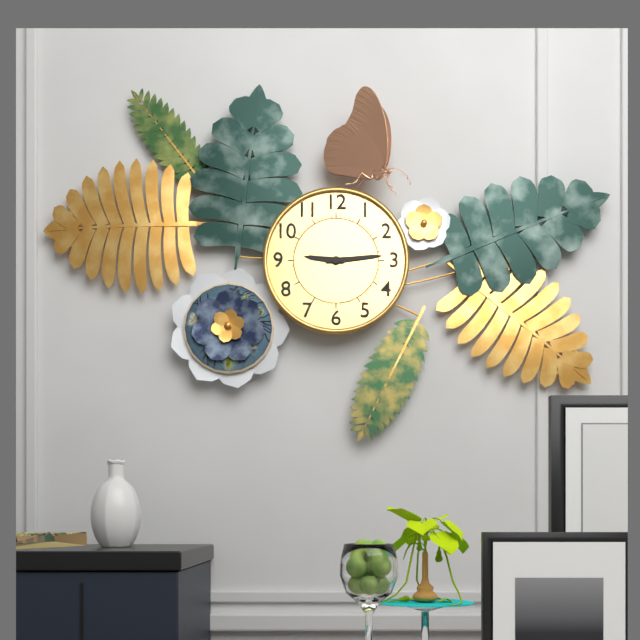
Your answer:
**9:14**
